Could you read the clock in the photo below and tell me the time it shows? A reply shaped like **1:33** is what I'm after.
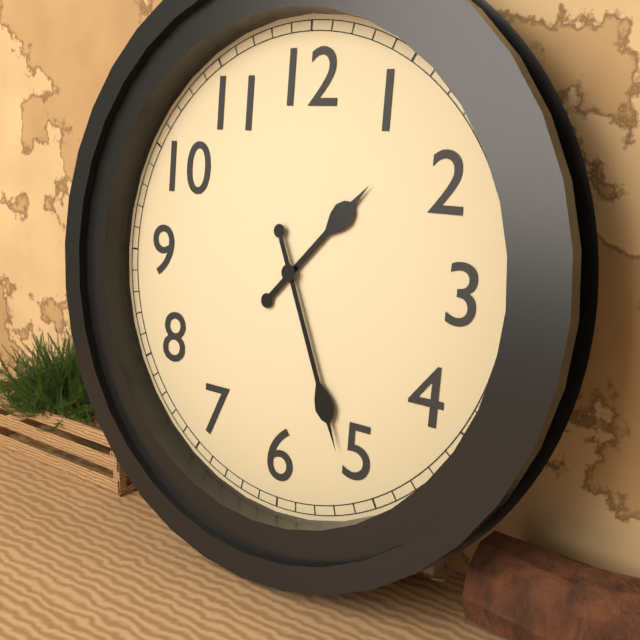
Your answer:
**1:26**
